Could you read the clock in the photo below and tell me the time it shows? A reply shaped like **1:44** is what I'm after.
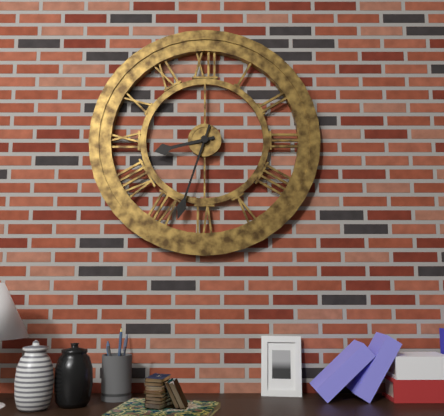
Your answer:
**8:33**
